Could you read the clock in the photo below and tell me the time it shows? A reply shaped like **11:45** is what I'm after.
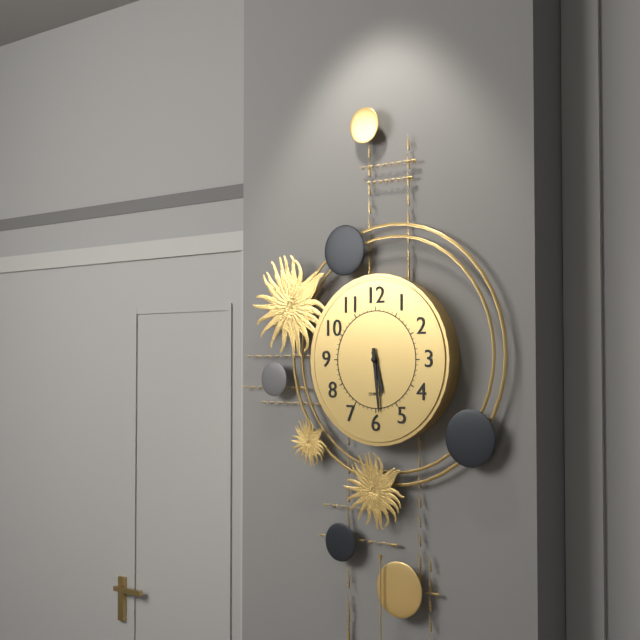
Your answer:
**5:29**
